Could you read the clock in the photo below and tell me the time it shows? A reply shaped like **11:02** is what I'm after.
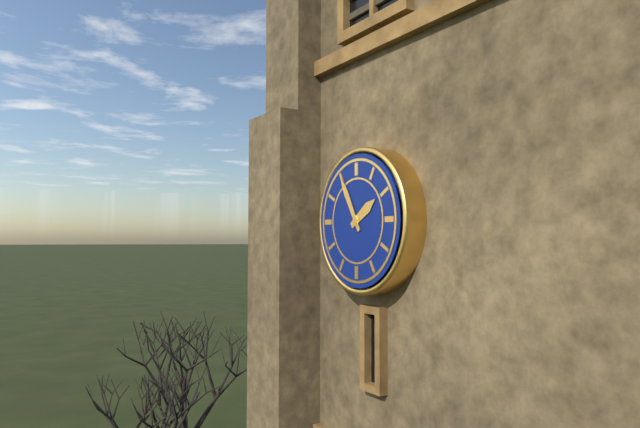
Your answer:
**1:55**
